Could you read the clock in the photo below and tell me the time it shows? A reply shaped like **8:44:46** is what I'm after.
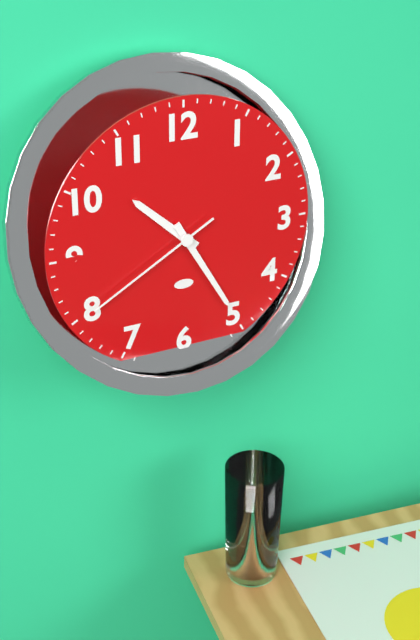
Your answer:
**10:25:40**
